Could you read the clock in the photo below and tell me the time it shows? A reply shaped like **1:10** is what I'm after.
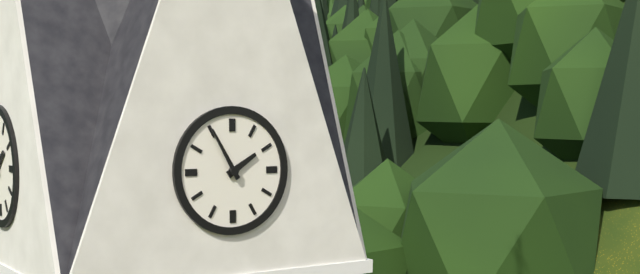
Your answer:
**1:55**
